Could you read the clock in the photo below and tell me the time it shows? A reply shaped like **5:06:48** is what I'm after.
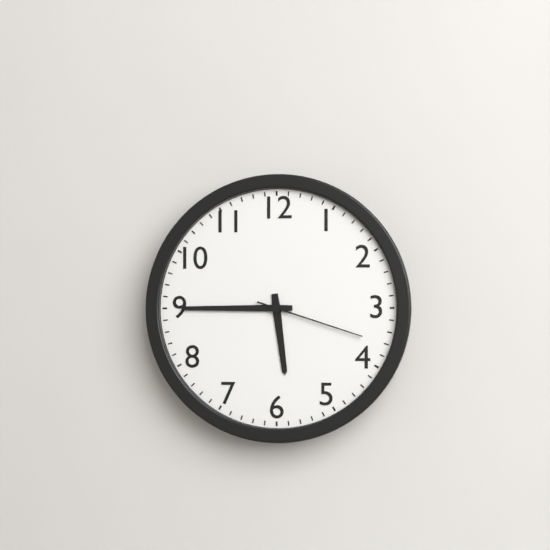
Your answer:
**5:45:18**
